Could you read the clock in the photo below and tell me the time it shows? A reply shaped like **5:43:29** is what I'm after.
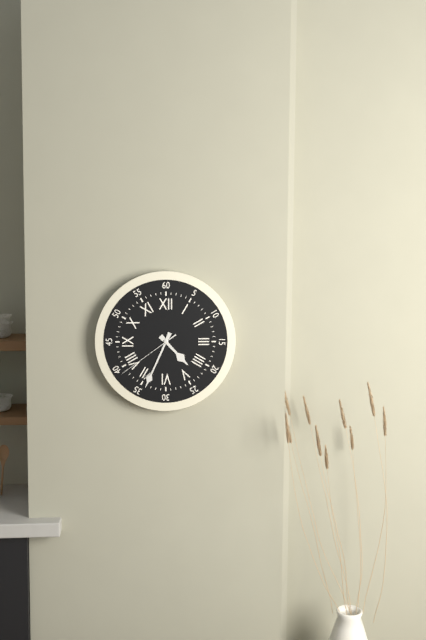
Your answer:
**4:34:39**
